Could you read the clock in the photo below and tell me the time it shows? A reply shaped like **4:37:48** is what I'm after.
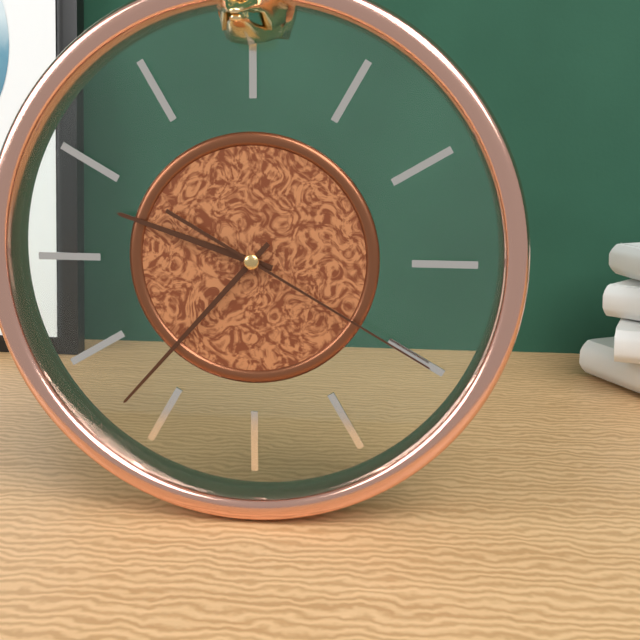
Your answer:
**9:37:20**
